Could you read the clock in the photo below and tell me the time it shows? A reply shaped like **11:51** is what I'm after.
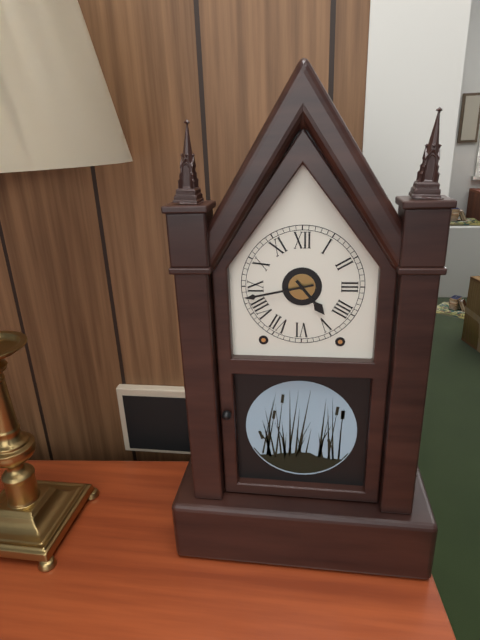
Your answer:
**4:43**
